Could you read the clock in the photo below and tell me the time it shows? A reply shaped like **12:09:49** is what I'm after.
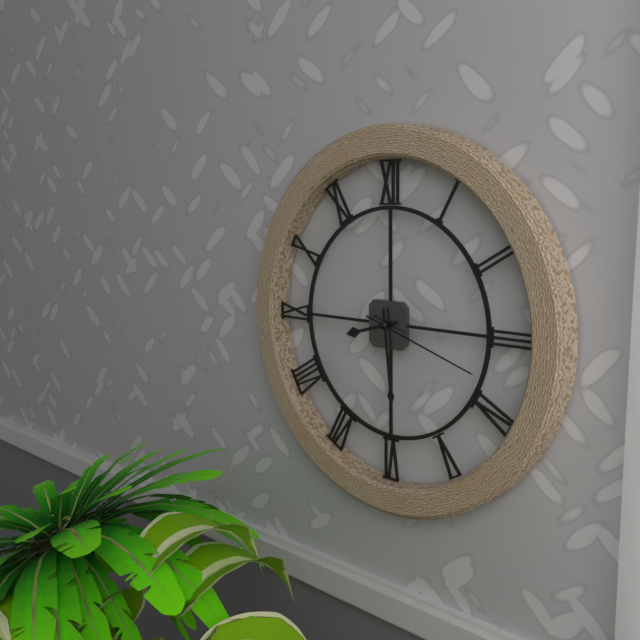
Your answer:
**8:29:18**
